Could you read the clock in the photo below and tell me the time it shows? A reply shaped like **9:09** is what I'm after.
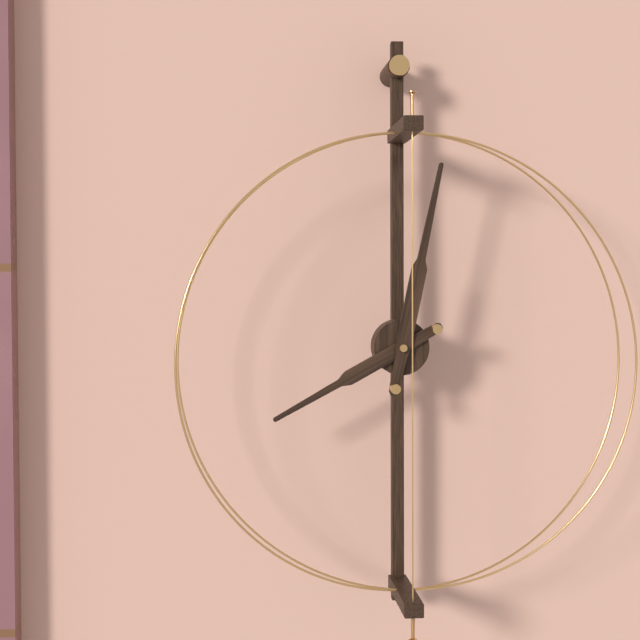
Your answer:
**8:02**
